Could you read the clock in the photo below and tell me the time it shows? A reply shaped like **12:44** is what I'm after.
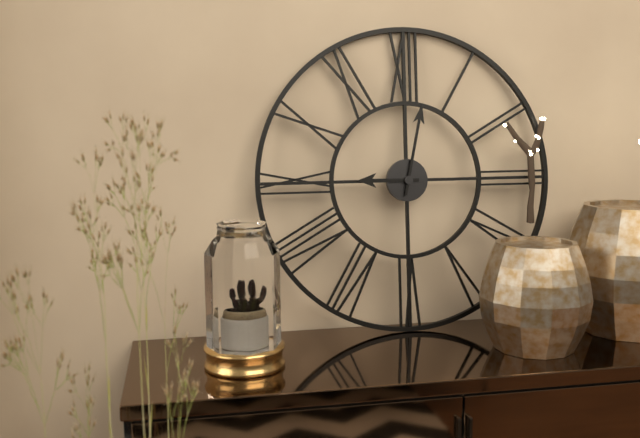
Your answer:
**9:02**
